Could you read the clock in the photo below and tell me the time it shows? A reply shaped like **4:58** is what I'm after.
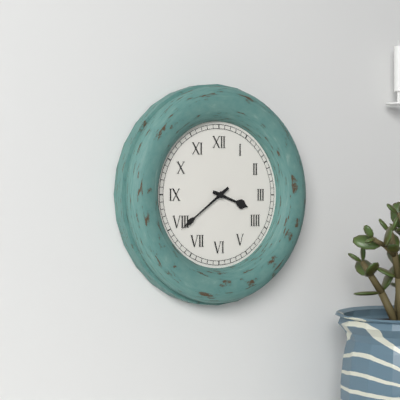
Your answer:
**3:39**
